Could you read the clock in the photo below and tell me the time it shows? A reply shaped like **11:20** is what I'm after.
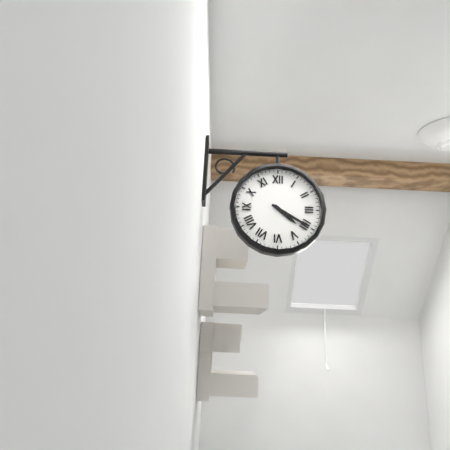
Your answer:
**4:20**
